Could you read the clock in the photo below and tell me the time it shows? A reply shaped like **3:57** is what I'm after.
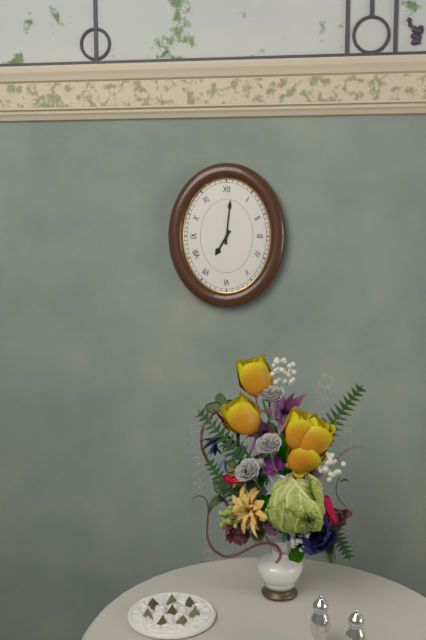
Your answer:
**7:01**
